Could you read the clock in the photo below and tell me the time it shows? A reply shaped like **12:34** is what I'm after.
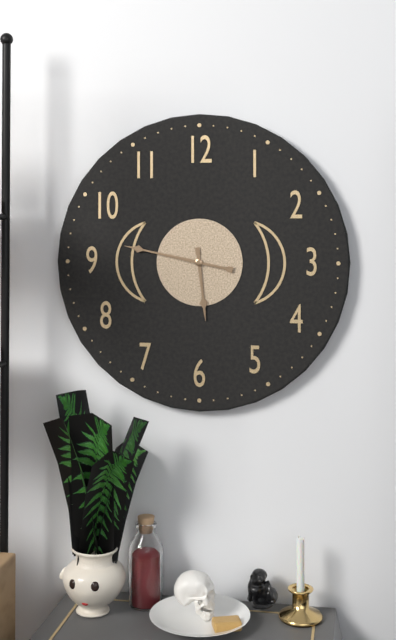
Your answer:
**5:47**
